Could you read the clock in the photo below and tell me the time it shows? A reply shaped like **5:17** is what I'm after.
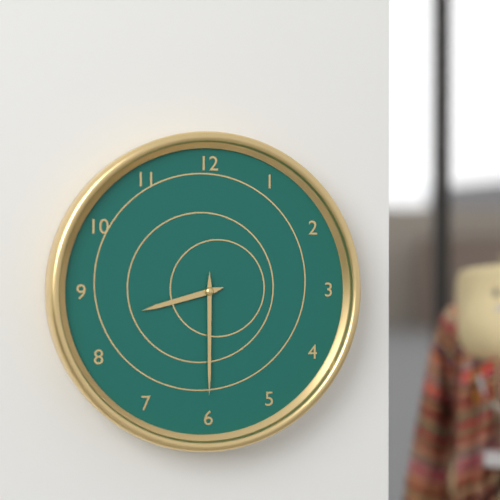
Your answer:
**8:30**
